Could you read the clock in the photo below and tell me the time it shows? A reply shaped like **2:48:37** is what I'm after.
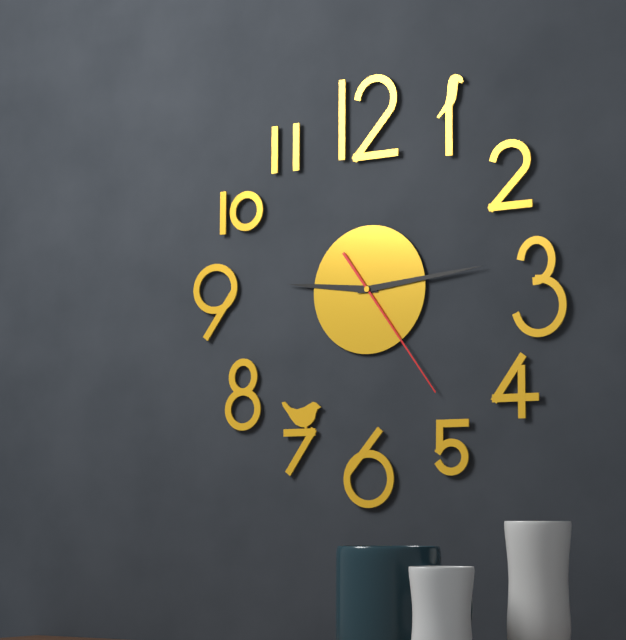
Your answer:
**9:14:24**
